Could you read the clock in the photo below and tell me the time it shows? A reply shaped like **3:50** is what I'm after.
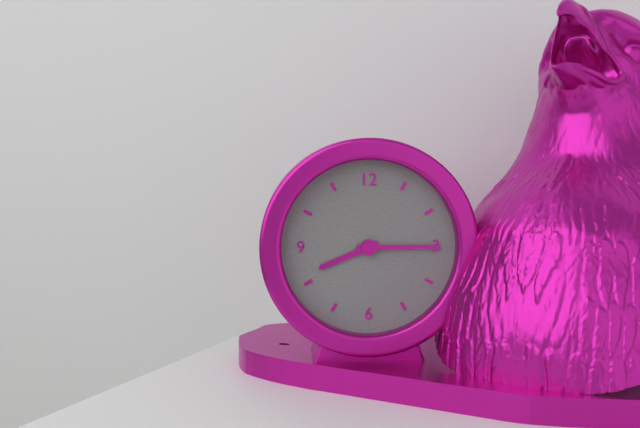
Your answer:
**8:15**
